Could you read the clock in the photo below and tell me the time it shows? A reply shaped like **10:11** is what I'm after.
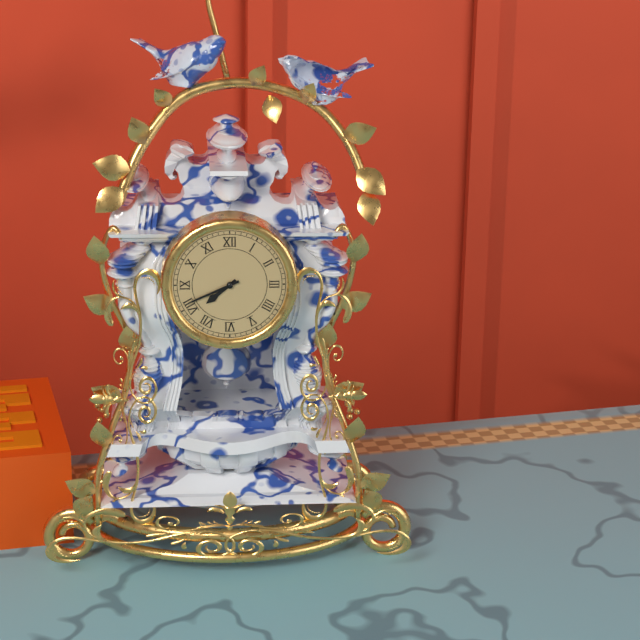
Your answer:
**7:41**
